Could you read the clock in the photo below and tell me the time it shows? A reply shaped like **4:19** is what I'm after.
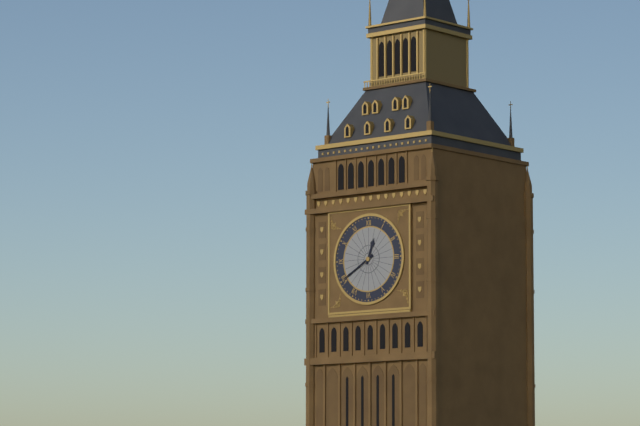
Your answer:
**12:40**
